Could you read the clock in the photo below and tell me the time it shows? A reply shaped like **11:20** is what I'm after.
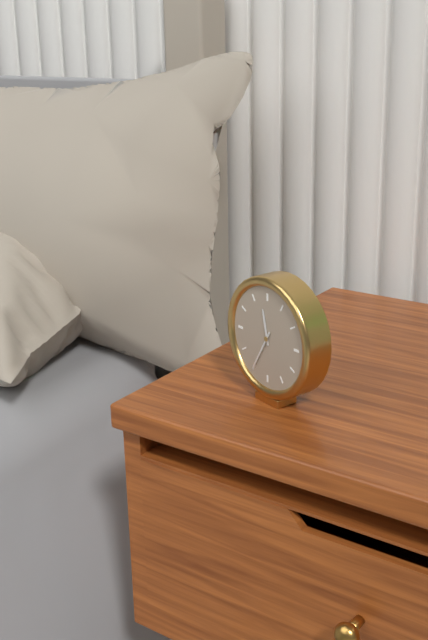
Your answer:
**11:35**
